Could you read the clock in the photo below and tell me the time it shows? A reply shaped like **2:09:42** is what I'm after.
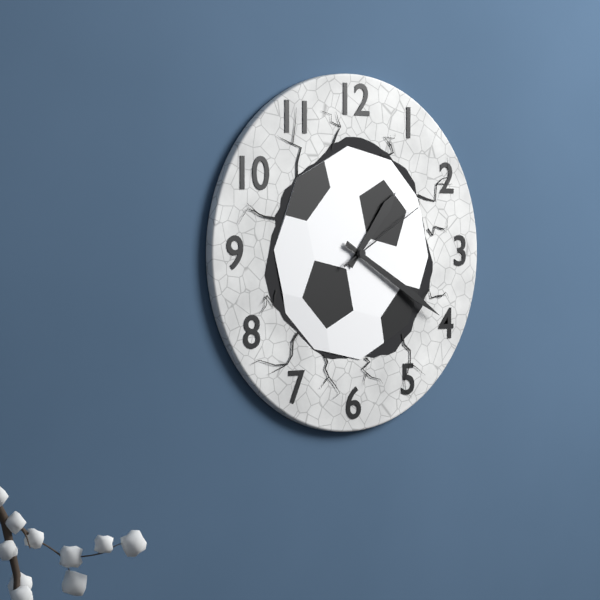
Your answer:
**1:20:10**
